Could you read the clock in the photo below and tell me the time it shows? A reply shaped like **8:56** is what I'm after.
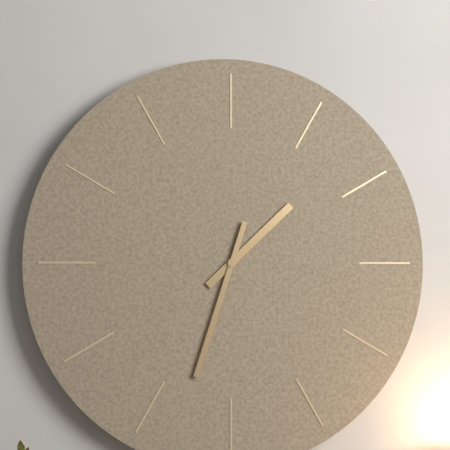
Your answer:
**1:33**
